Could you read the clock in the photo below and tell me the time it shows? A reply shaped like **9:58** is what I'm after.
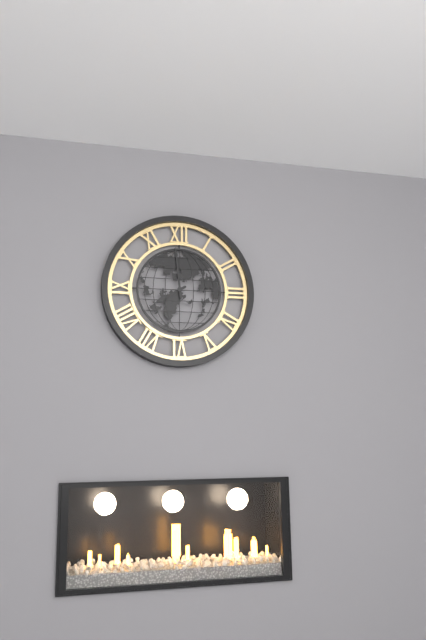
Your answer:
**7:59**
